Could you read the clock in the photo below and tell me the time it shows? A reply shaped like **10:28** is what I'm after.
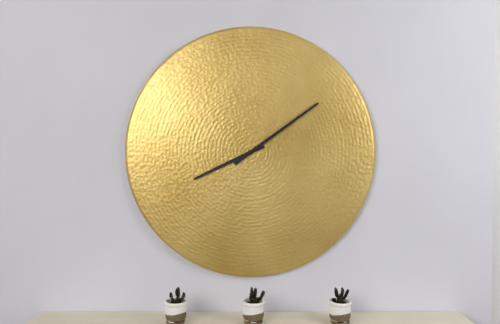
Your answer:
**8:09**
